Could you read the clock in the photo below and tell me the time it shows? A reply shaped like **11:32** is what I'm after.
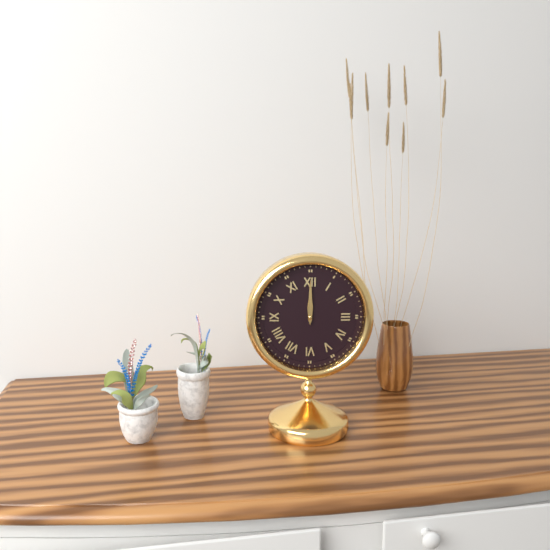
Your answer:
**12:00**
